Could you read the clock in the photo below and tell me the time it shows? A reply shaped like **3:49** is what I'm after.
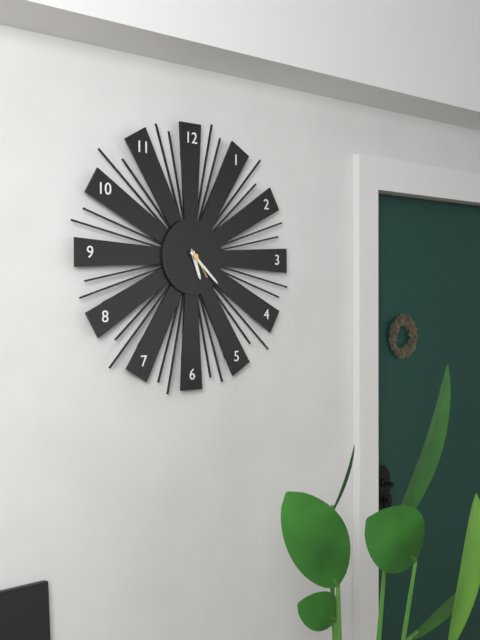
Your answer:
**5:22**
